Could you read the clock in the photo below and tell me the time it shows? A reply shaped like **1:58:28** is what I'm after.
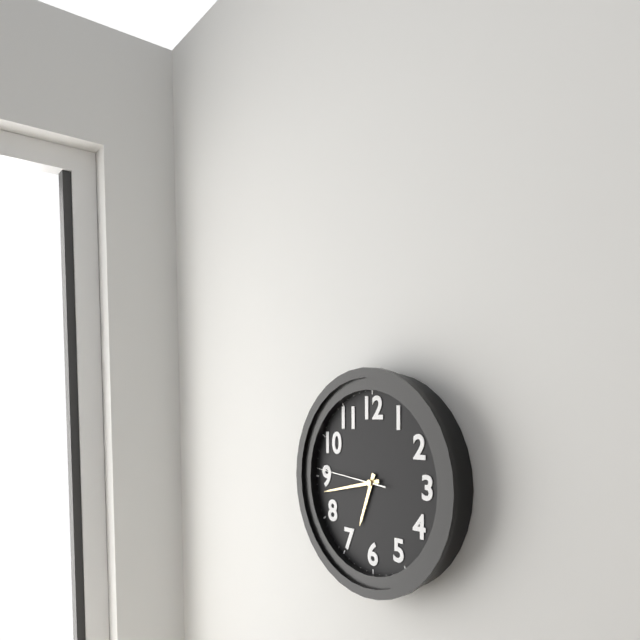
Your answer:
**6:43:46**
